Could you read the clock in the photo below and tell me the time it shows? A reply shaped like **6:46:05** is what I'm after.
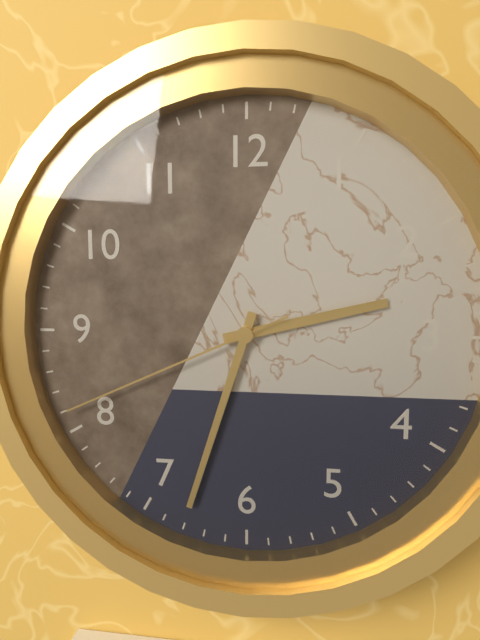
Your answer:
**2:33:41**
